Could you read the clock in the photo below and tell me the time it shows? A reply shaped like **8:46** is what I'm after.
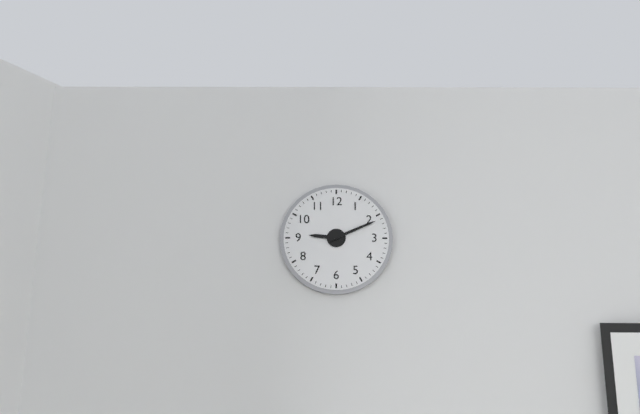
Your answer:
**9:11**
